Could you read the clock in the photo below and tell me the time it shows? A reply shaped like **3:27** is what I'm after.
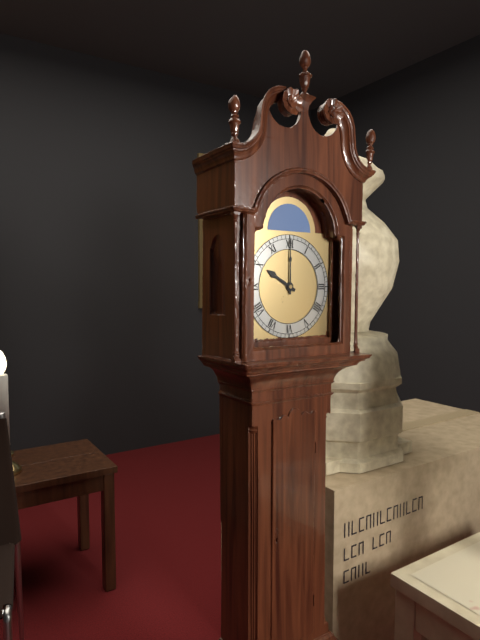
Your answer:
**10:00**
